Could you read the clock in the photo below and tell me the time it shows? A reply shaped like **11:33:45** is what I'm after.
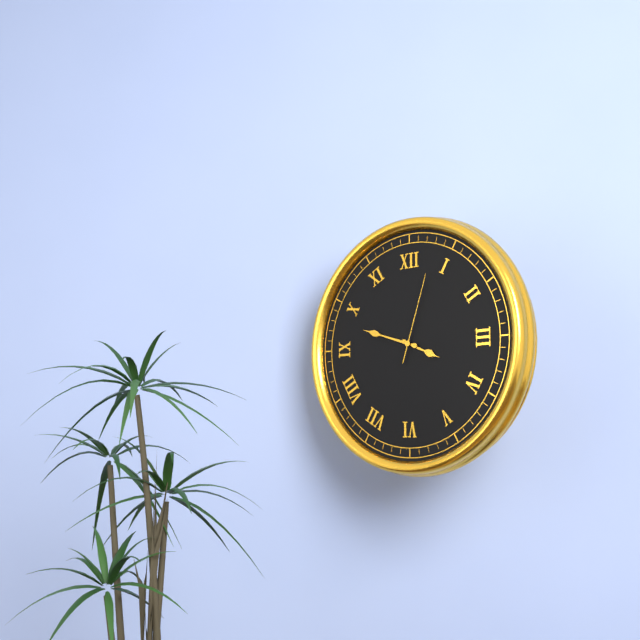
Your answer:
**3:48:03**
